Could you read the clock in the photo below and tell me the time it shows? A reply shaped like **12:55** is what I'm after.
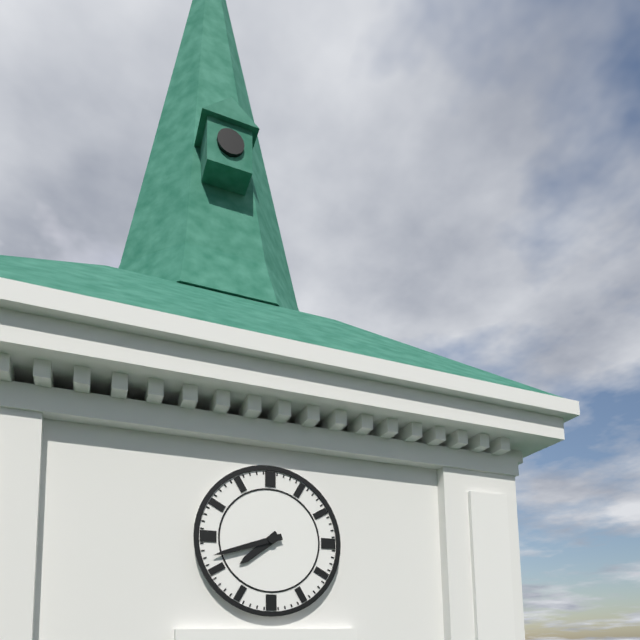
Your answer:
**7:42**
